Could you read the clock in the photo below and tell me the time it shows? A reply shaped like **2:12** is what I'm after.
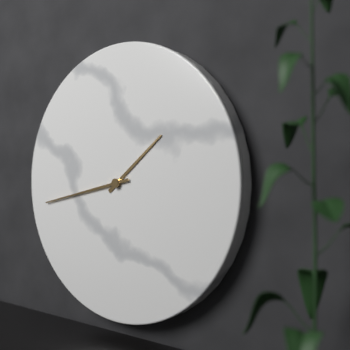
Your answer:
**1:43**
